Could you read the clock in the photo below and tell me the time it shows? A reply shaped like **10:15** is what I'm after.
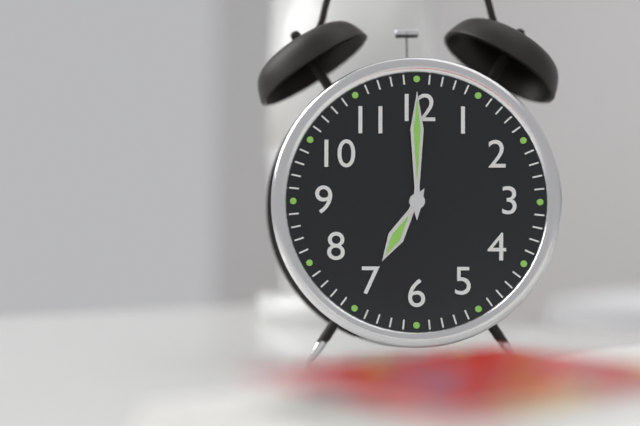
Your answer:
**7:00**
